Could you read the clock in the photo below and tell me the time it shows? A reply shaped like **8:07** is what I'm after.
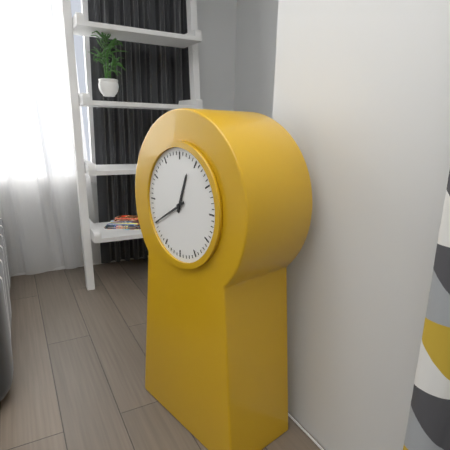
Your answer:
**12:40**
